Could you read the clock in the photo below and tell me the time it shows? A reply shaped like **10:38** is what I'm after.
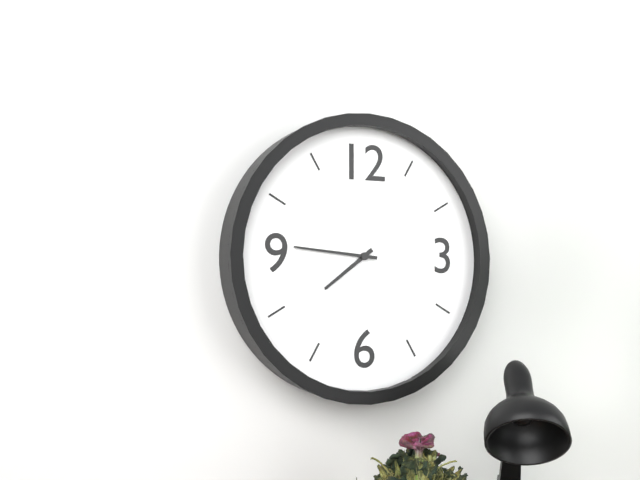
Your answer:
**7:46**
